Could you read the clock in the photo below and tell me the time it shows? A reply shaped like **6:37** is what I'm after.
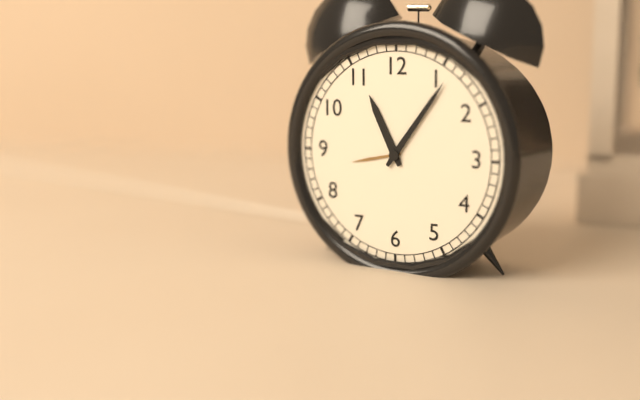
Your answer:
**11:06**
